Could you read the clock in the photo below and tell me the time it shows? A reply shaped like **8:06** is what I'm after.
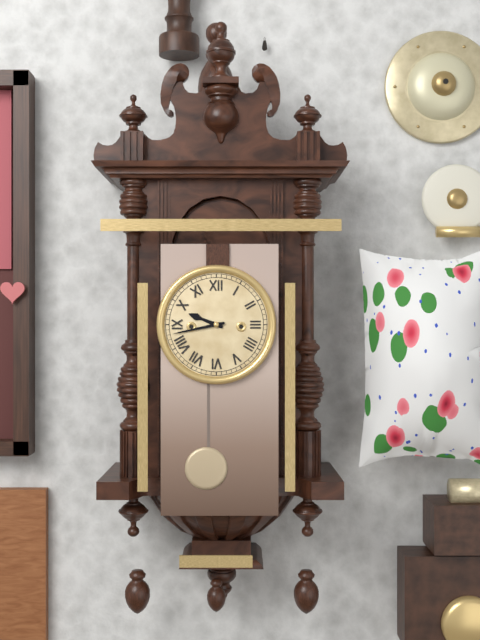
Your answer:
**9:43**
